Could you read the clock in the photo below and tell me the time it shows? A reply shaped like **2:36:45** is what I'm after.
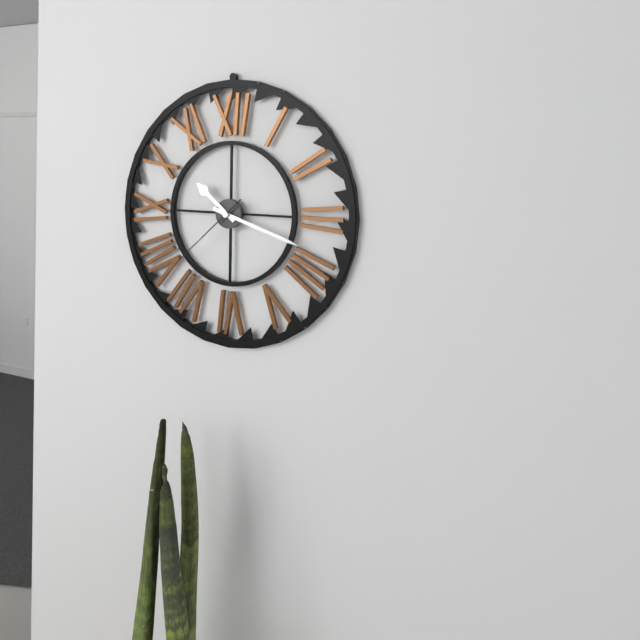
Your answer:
**10:18:38**
